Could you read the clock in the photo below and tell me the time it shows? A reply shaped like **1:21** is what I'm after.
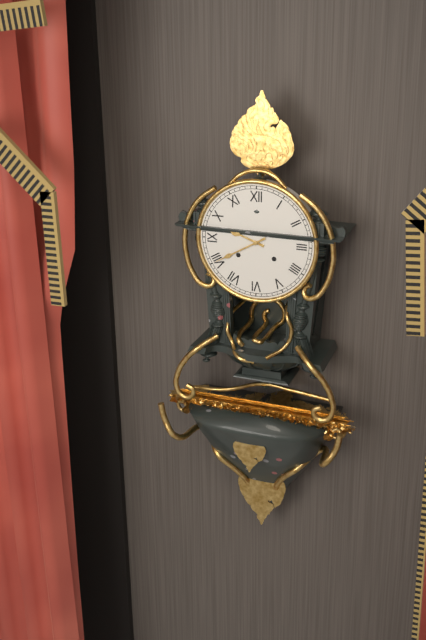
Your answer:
**9:40**
